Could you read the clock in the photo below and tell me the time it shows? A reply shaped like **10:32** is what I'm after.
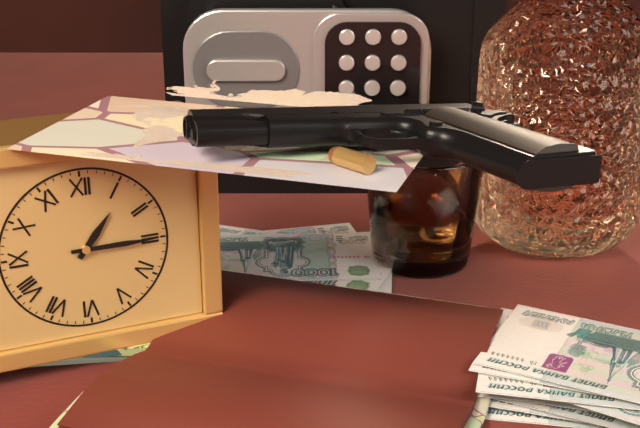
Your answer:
**1:15**
